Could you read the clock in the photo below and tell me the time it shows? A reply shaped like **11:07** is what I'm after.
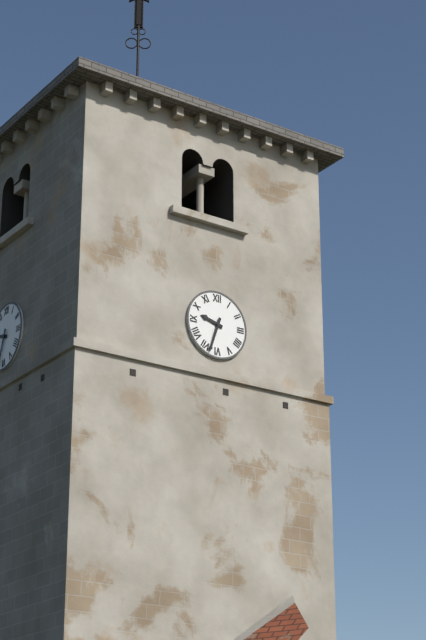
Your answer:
**9:33**
